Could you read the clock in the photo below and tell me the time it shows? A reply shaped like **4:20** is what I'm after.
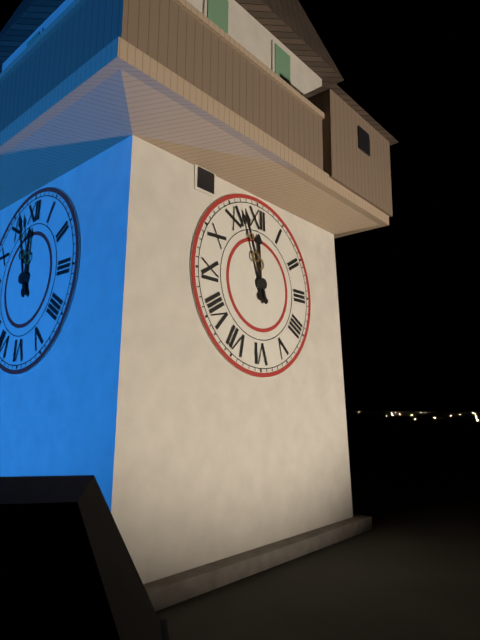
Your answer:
**11:57**
